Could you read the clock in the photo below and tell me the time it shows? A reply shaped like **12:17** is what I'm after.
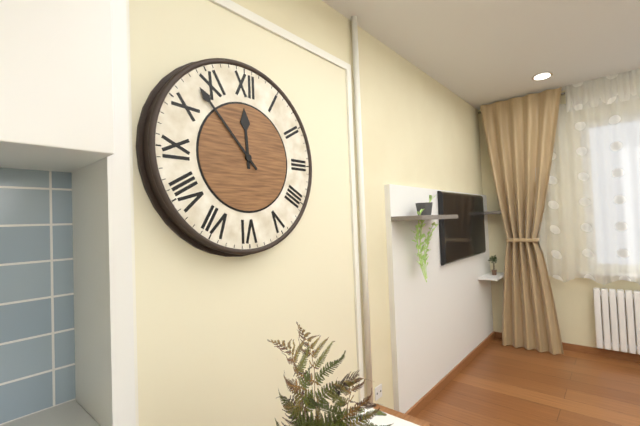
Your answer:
**11:53**
